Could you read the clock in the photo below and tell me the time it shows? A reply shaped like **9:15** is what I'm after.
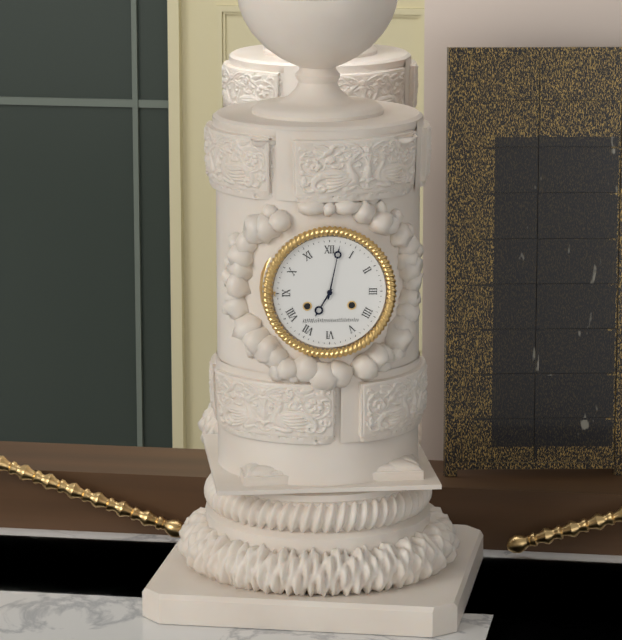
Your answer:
**7:02**
